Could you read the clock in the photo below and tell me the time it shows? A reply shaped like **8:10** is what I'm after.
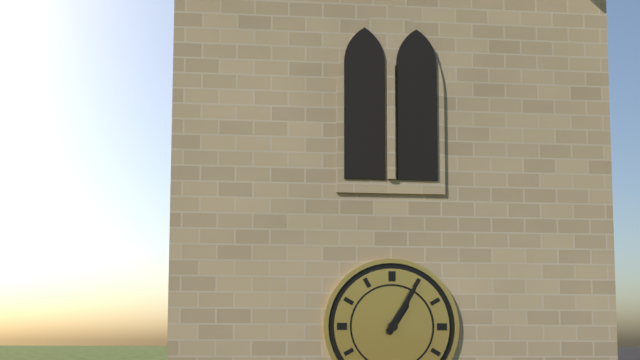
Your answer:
**1:05**
